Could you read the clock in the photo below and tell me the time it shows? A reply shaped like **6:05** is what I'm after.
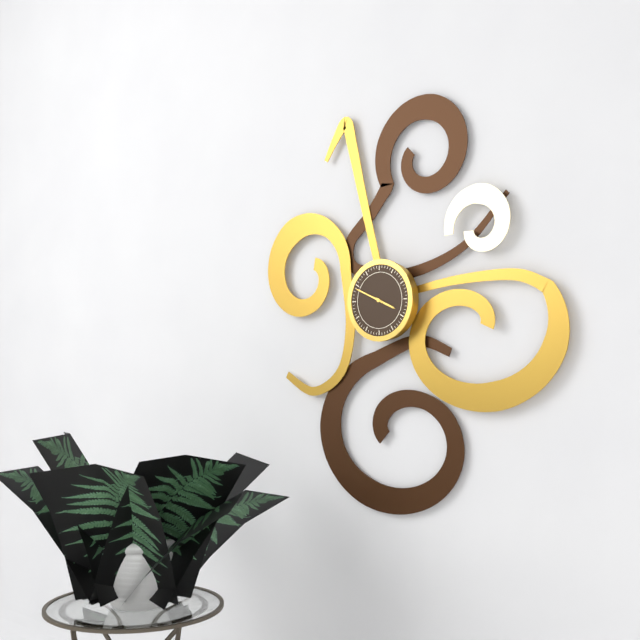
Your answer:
**3:49**
